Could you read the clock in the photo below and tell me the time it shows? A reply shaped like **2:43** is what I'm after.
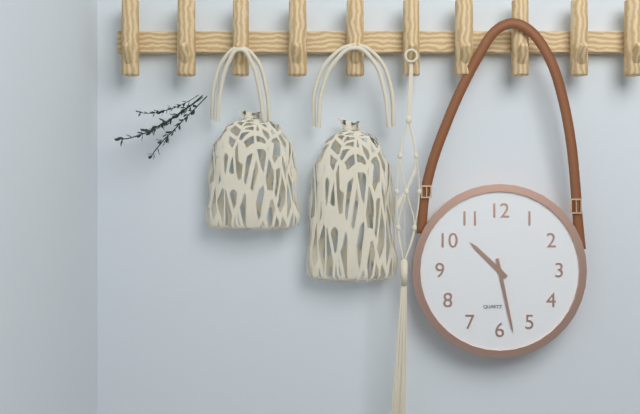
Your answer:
**10:28**
